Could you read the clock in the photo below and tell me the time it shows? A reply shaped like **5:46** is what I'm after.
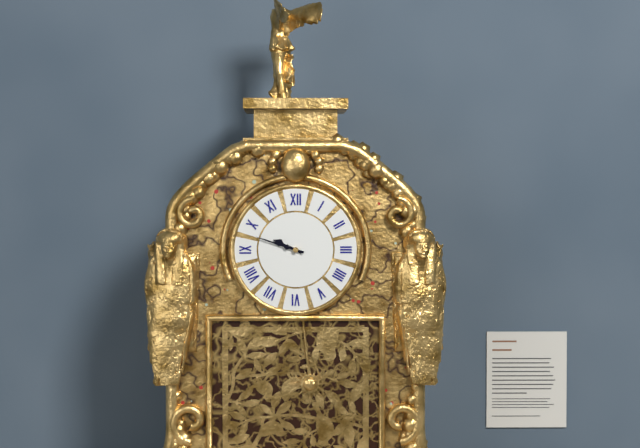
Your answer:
**9:48**
